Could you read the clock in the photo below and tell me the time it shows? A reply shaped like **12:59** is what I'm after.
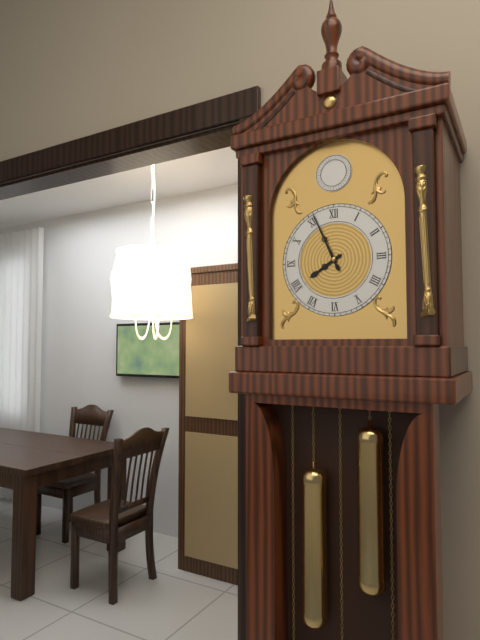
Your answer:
**7:56**
